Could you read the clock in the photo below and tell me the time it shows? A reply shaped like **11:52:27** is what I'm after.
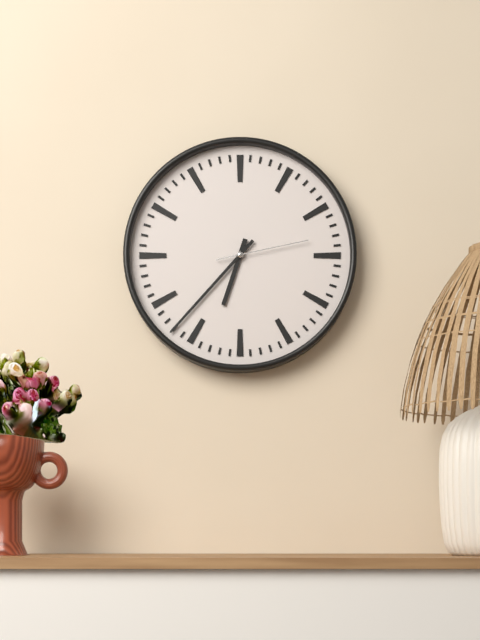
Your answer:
**6:37:13**
